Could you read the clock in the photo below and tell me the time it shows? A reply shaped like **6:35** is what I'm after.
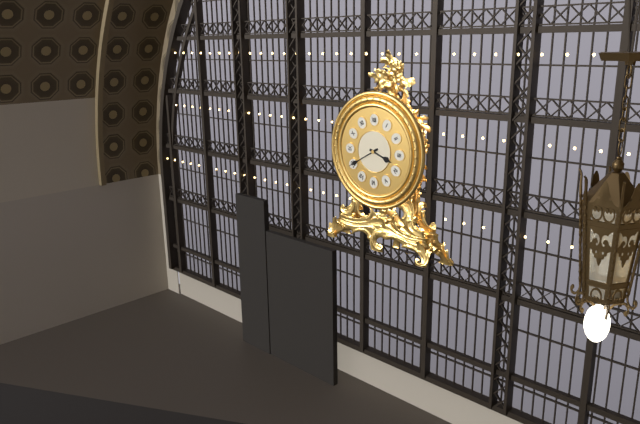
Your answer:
**3:40**
